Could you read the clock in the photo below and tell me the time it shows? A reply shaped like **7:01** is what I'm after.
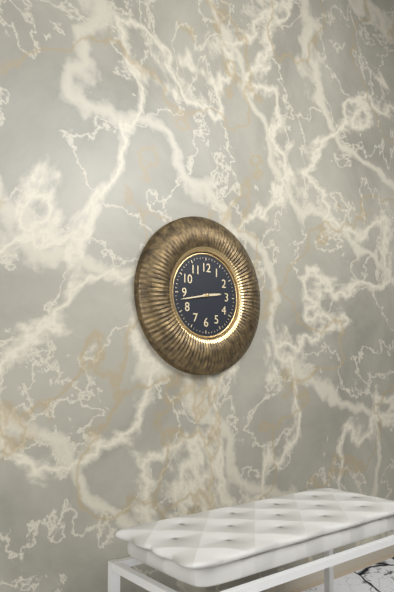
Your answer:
**2:43**
